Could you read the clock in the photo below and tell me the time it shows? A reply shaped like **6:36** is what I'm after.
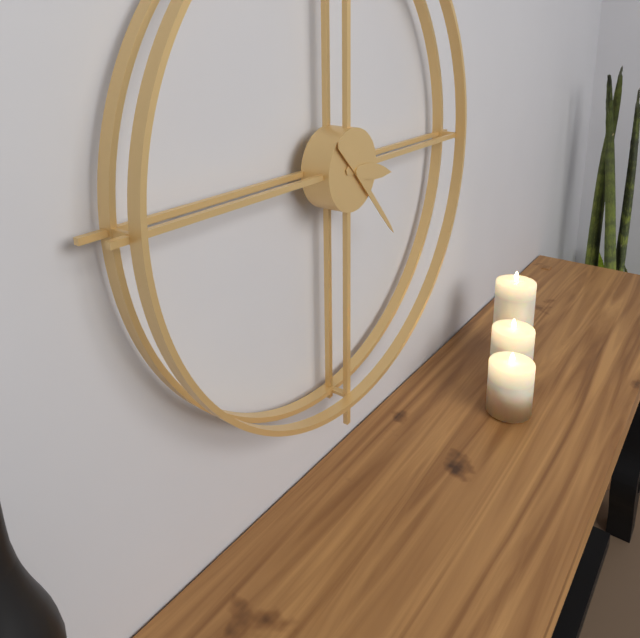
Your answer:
**3:23**
